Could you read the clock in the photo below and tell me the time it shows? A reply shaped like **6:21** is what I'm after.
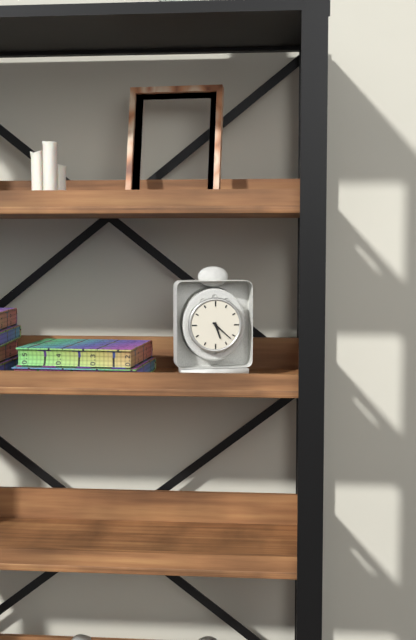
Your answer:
**5:22**
